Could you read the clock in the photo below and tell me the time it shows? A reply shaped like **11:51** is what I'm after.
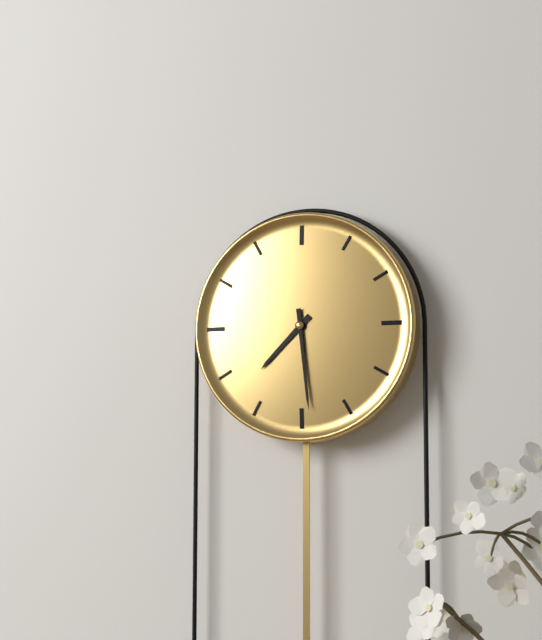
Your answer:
**7:29**
